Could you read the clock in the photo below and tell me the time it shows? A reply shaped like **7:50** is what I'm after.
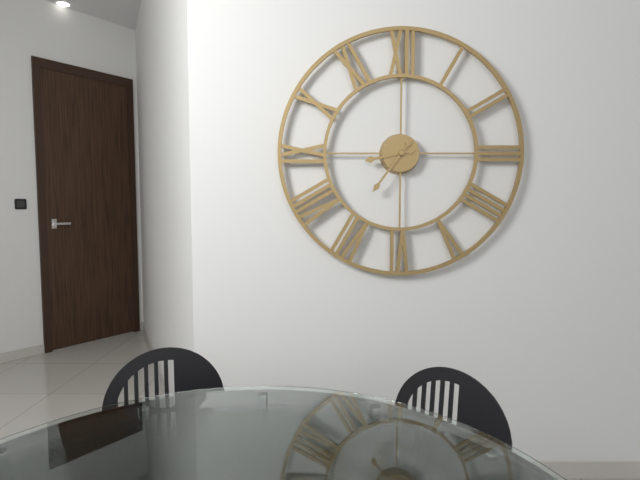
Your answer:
**8:36**
